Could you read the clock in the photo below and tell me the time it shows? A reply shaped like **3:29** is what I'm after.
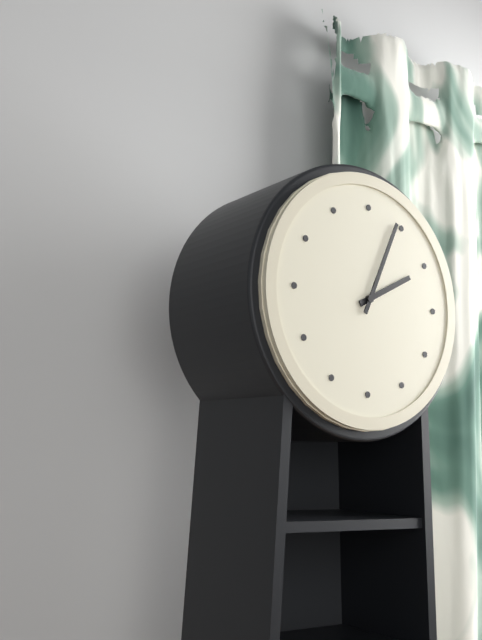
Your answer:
**2:04**
